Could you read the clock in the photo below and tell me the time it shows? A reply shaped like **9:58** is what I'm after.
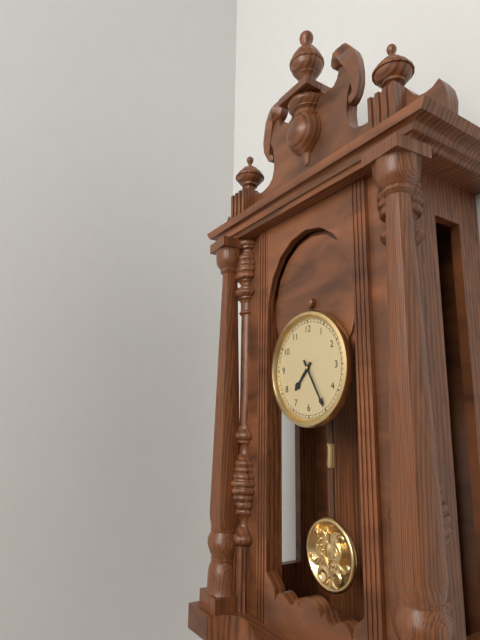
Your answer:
**7:25**
